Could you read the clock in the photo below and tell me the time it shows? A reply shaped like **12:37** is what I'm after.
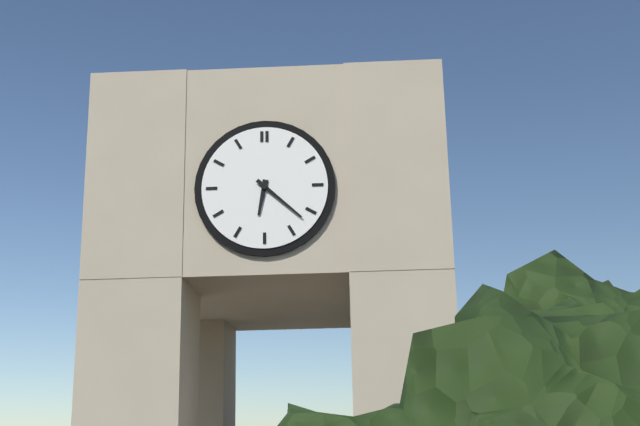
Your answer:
**6:22**
